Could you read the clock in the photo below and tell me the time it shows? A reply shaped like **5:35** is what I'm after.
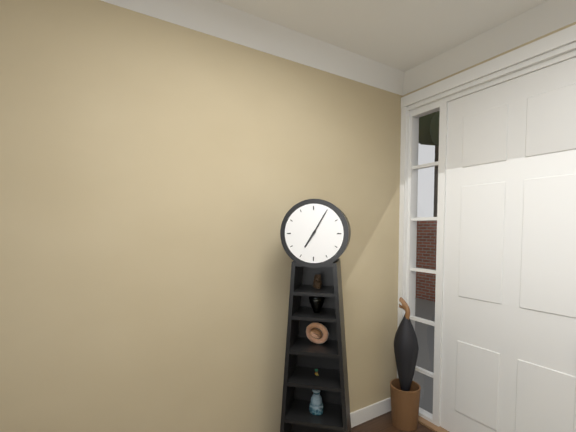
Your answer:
**7:05**
